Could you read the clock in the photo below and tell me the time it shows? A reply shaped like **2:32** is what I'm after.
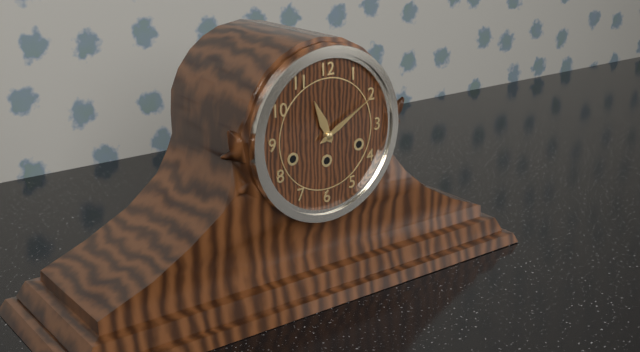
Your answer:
**11:10**
